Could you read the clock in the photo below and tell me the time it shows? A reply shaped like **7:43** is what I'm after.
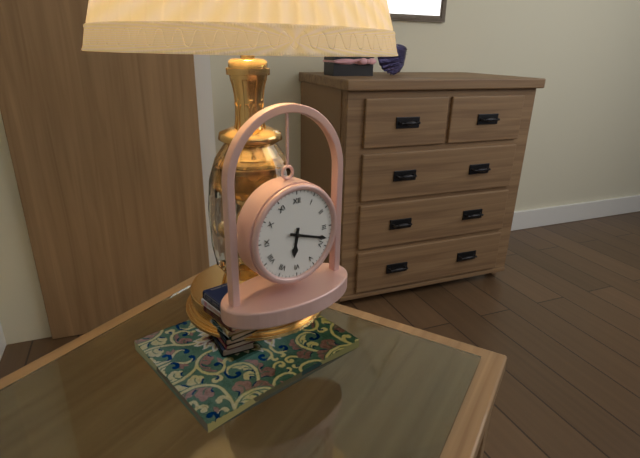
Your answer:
**6:18**
